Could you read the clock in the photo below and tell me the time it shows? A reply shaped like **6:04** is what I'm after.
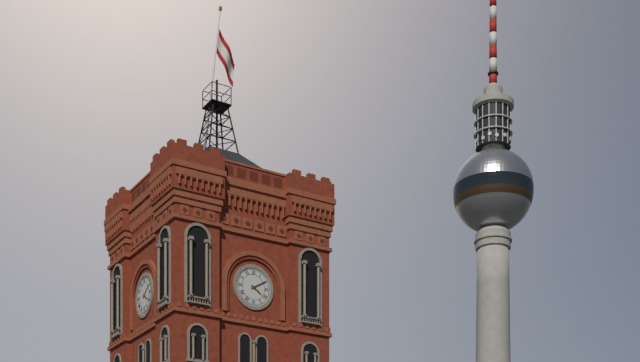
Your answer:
**4:10**
